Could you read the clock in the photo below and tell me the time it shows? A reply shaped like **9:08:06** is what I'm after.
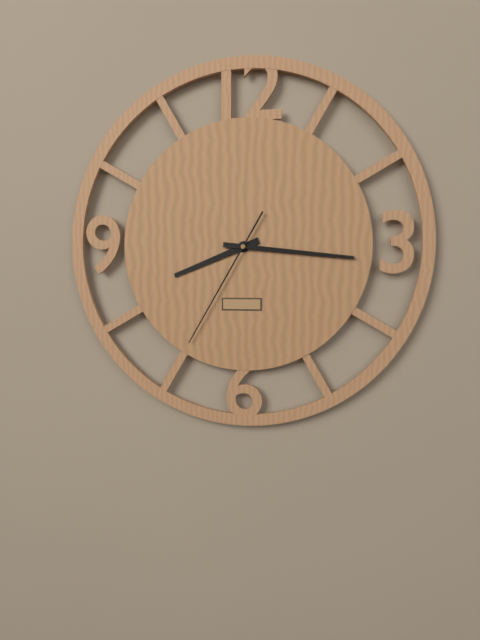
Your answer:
**8:16:35**
